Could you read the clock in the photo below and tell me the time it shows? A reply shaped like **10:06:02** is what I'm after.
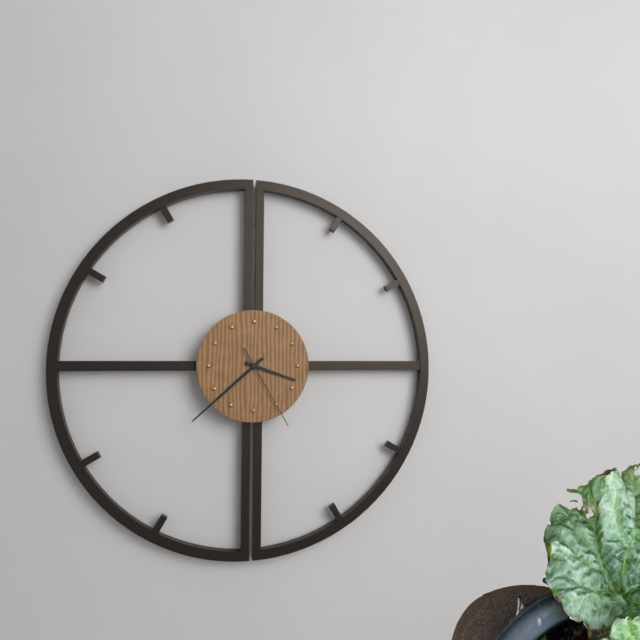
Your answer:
**3:38:25**
